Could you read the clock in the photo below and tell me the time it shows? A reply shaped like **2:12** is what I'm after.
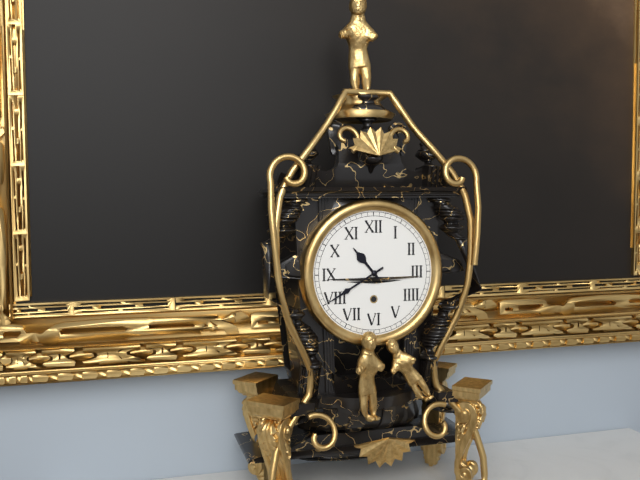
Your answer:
**10:40**
